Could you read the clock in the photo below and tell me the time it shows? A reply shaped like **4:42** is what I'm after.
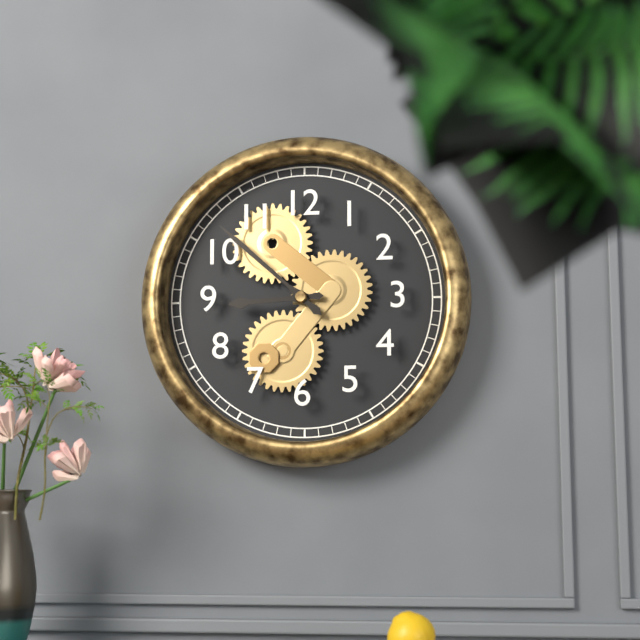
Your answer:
**8:52**
